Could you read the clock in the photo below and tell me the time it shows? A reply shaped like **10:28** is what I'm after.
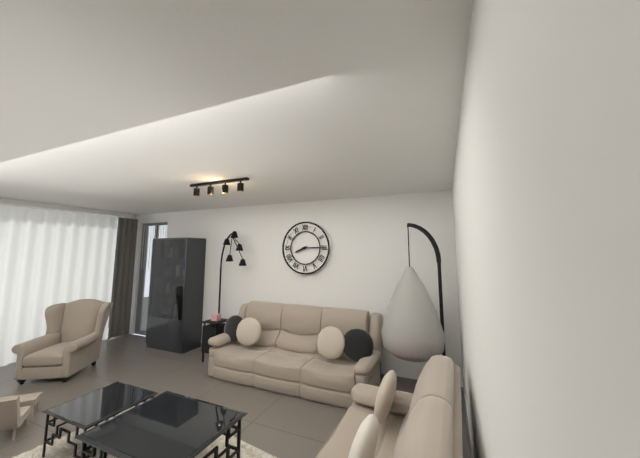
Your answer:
**8:15**
